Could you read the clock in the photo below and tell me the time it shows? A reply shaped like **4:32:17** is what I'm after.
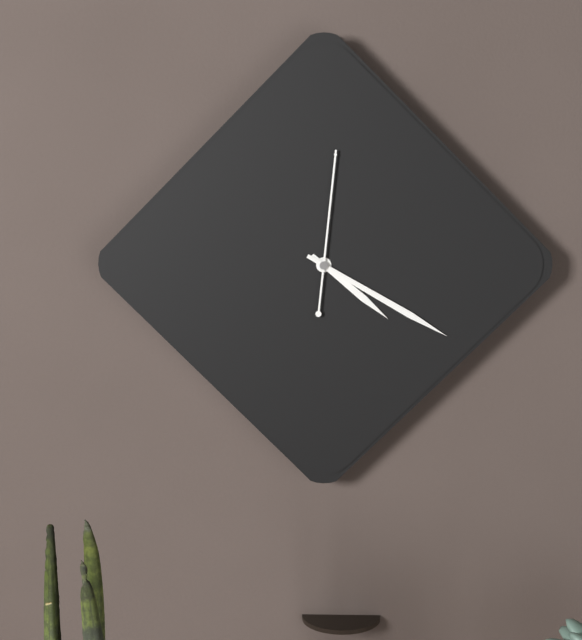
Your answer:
**4:20:01**
